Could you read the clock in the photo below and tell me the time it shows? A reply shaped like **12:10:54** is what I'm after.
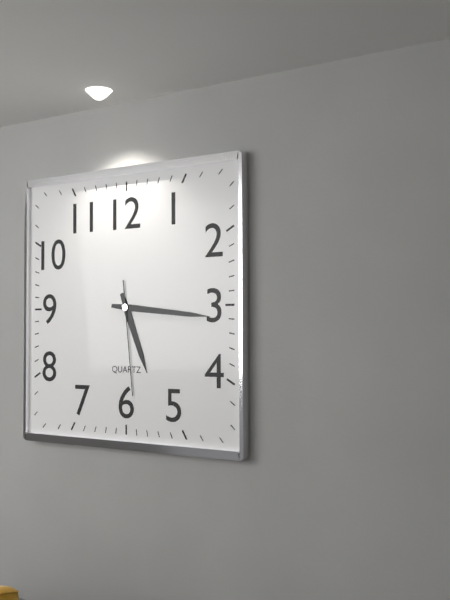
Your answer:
**5:16:29**
